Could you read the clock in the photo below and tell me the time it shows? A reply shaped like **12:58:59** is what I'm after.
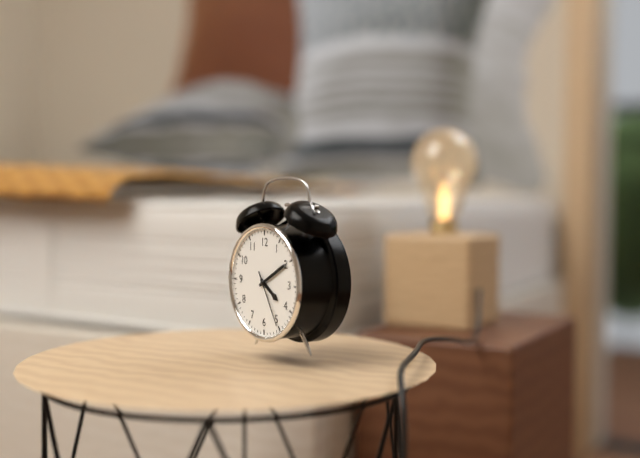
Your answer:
**4:10:25**
